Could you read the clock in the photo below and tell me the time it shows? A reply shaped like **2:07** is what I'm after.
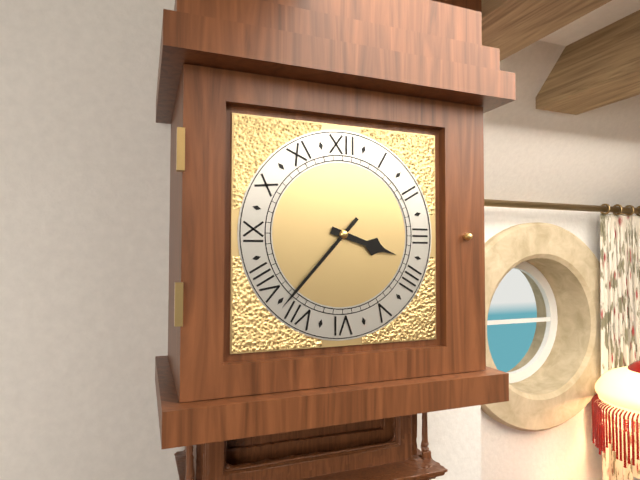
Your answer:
**3:37**
